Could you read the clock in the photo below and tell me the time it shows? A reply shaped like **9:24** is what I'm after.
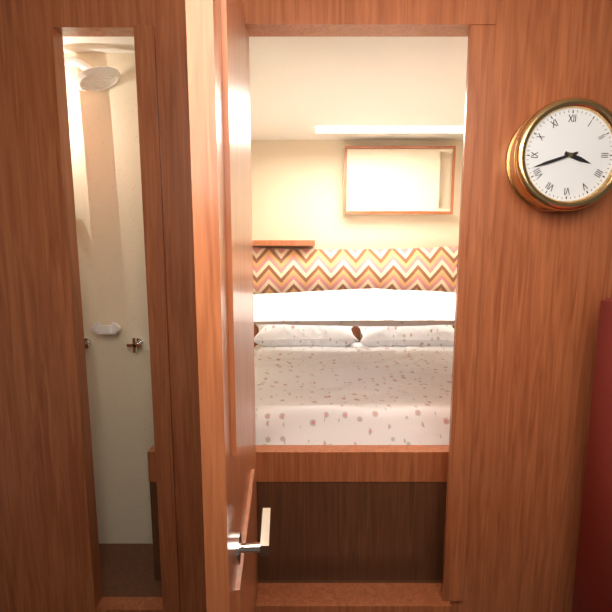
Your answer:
**3:42**
